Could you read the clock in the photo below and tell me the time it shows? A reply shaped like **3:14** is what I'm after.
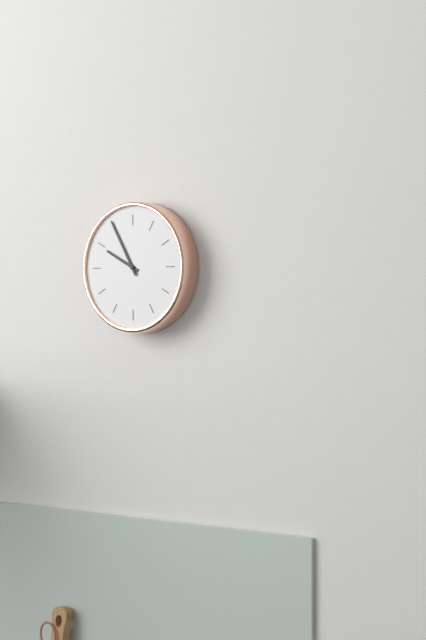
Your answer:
**9:55**
